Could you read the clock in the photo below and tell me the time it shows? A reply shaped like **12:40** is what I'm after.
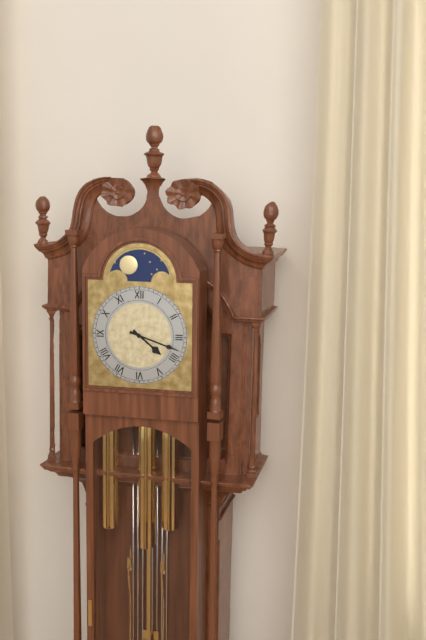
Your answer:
**4:18**
